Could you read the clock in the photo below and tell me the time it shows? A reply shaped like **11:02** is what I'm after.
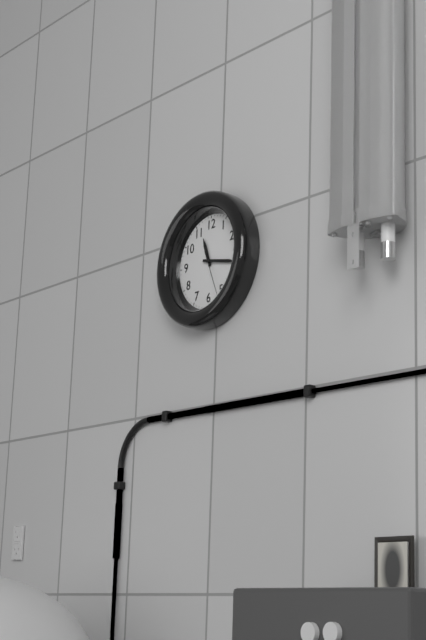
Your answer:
**11:17**
